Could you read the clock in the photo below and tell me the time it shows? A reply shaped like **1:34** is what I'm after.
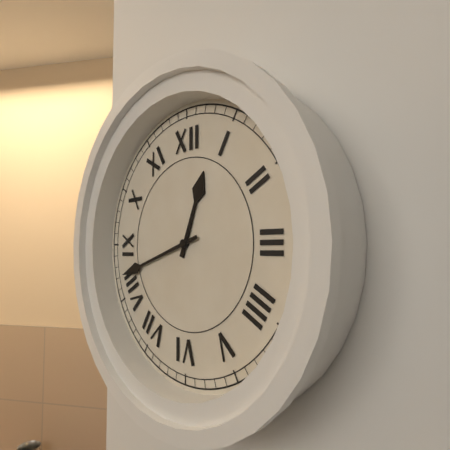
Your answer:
**12:42**
